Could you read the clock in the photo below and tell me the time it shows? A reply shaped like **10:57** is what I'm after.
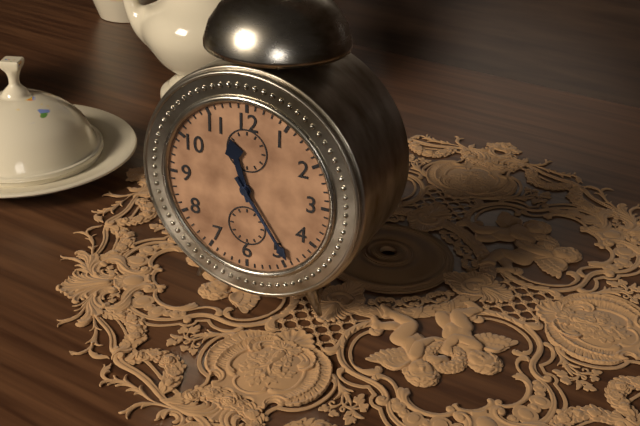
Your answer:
**11:24**
